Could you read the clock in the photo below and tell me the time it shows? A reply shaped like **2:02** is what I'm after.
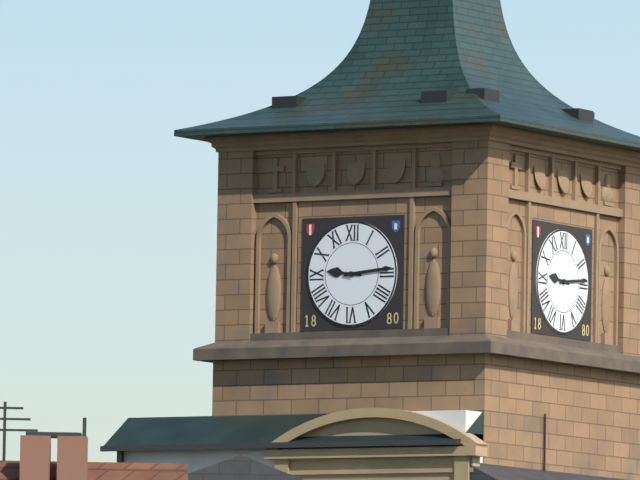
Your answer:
**9:14**
